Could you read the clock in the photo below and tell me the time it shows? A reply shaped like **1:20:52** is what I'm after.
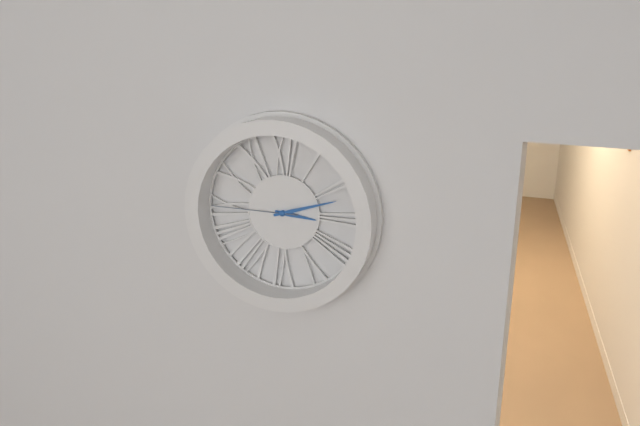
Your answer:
**3:12:45**
